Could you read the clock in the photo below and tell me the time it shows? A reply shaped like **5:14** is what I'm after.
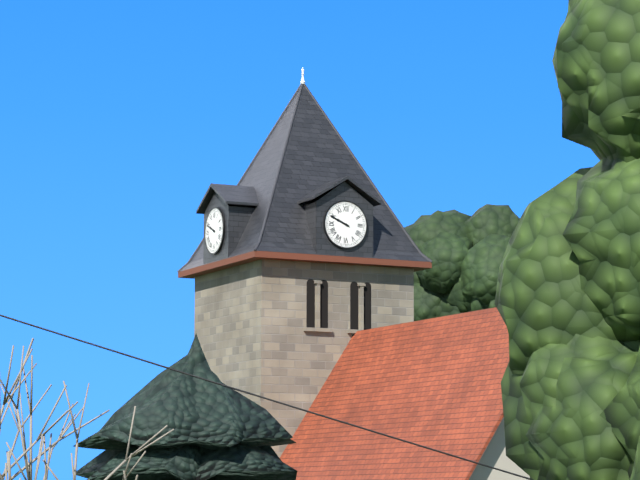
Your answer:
**9:49**
